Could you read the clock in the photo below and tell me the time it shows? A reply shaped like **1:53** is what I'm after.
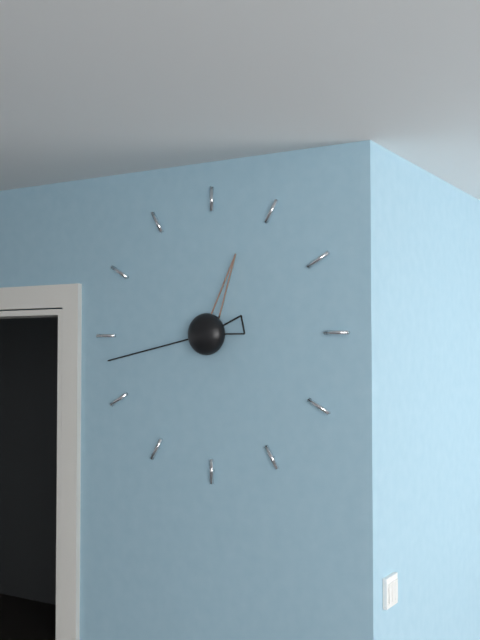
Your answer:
**12:43**
